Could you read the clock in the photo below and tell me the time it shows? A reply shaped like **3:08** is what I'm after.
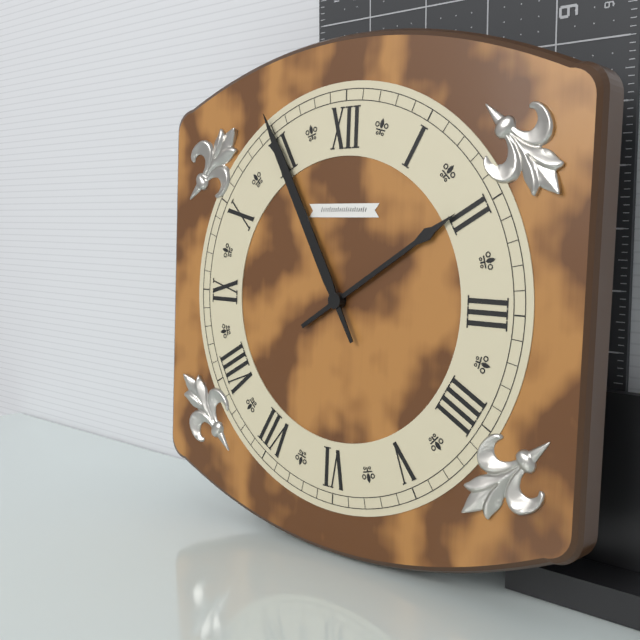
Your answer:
**1:55**
